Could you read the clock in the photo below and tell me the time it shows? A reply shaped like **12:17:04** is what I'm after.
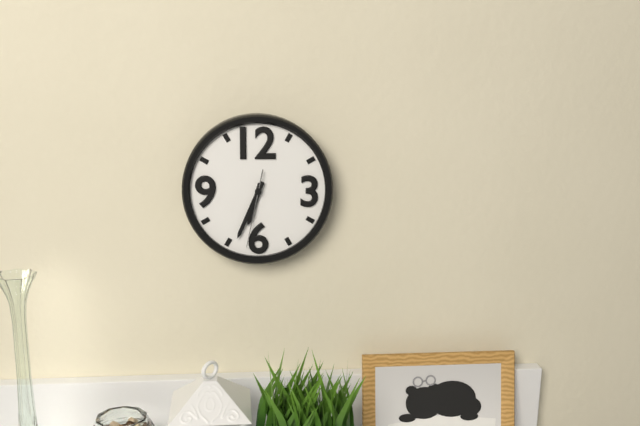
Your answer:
**6:34:32**
